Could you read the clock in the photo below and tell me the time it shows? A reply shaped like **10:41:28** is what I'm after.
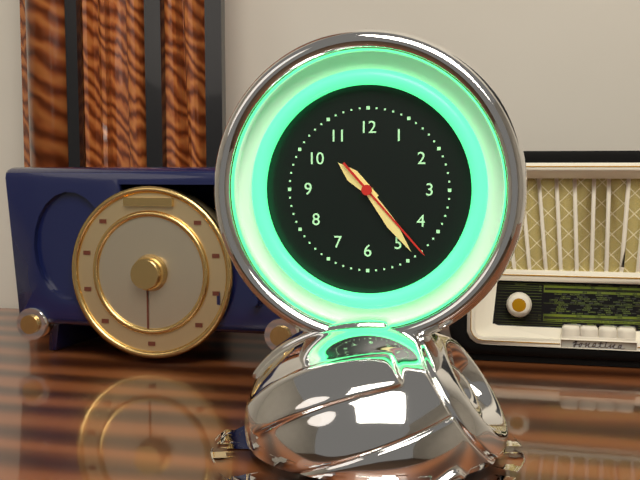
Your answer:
**10:24:23**
